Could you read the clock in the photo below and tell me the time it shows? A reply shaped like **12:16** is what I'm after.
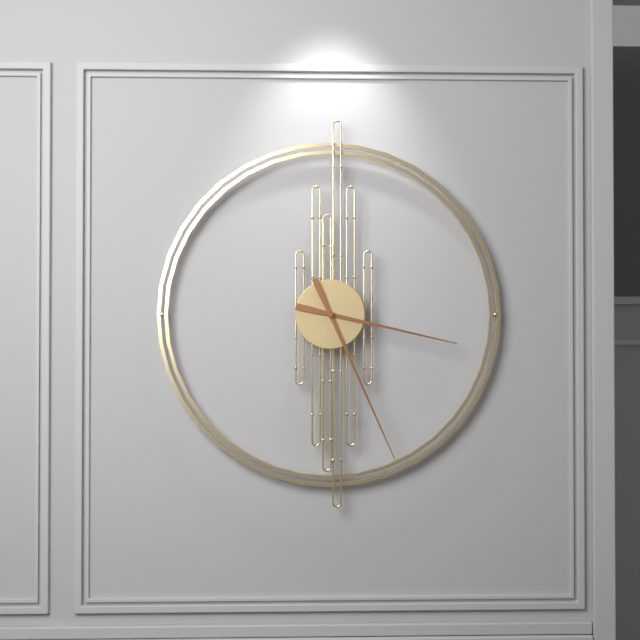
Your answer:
**3:26**
